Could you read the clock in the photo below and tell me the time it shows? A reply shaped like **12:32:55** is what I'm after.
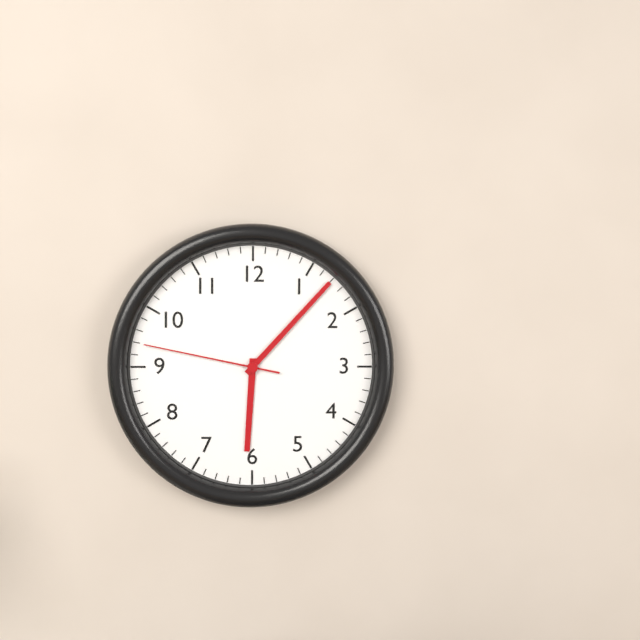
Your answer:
**6:07:47**
